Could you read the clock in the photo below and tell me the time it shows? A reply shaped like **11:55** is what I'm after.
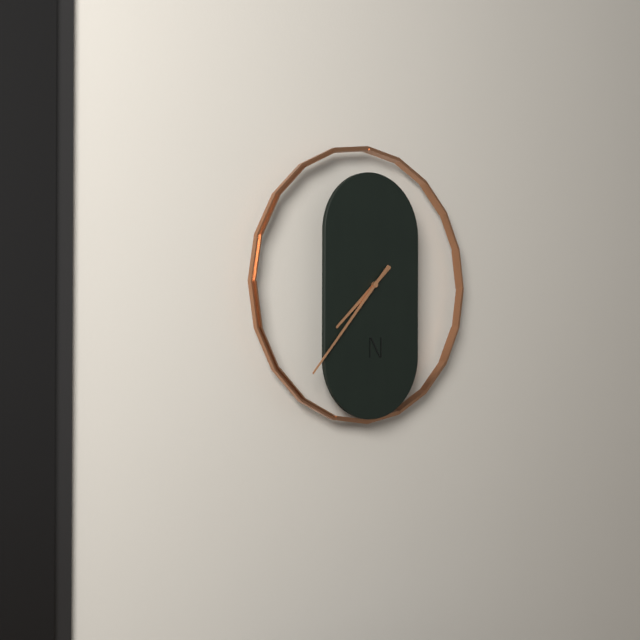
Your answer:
**7:37**
